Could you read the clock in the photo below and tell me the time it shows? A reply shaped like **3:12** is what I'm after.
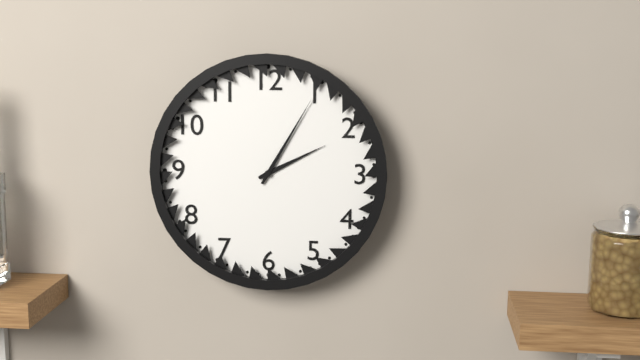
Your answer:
**2:05**
